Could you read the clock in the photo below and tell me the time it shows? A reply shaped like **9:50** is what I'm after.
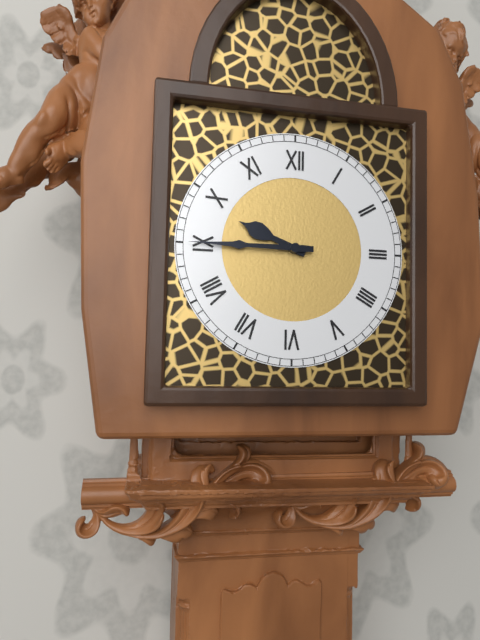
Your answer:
**9:45**
